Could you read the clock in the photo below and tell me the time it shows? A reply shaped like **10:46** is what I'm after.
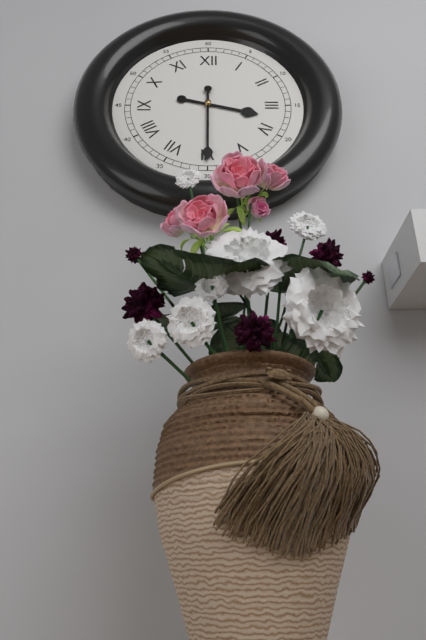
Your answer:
**3:30**
